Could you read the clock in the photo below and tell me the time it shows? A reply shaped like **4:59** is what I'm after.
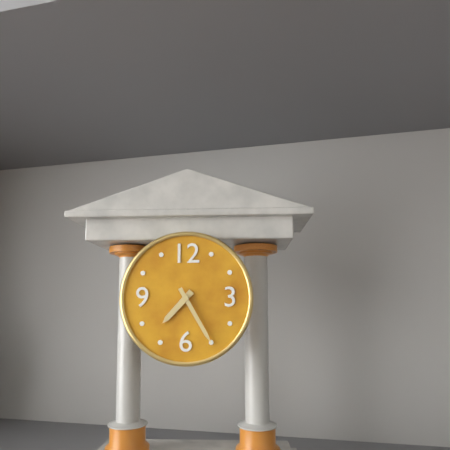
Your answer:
**7:25**
